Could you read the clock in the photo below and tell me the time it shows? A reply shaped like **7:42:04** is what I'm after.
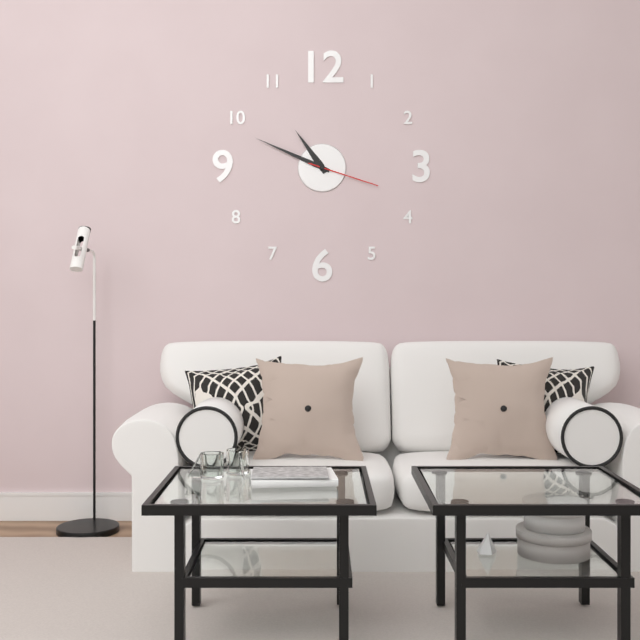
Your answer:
**10:49:18**
